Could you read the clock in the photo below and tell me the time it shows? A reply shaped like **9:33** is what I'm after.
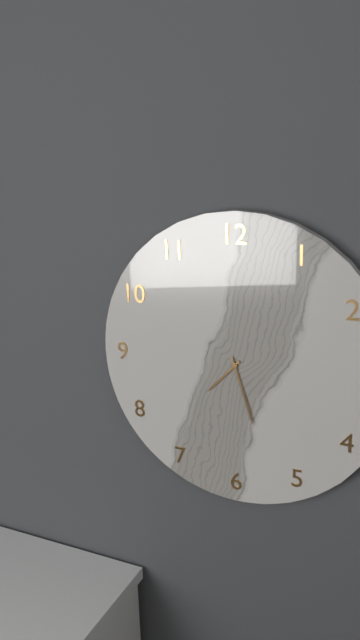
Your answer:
**7:27**
